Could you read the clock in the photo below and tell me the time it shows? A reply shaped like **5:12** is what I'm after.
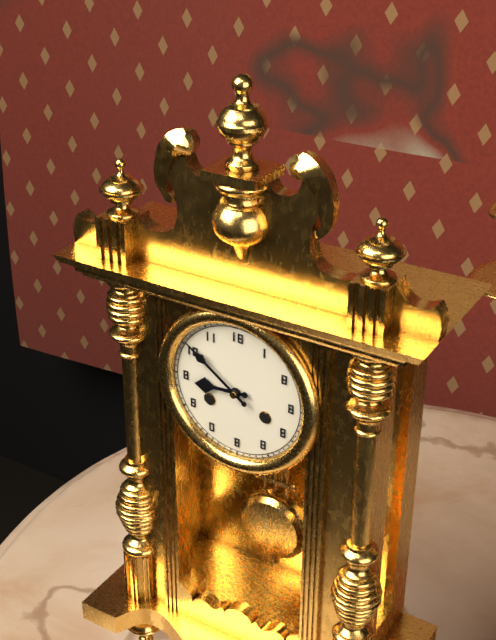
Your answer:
**8:51**
